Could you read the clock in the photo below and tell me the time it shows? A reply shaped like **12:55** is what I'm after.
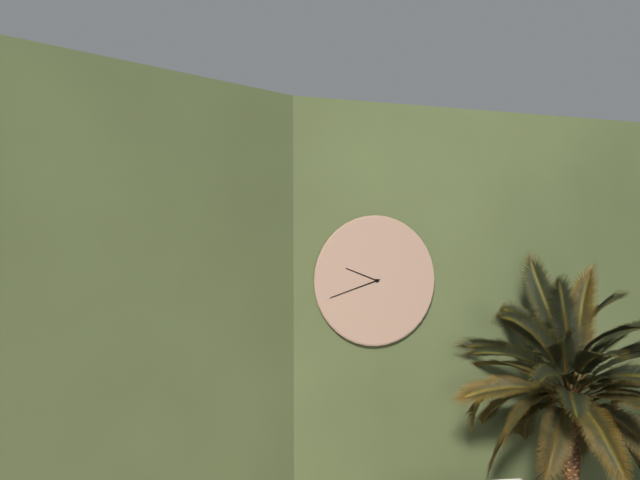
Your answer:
**9:42**
